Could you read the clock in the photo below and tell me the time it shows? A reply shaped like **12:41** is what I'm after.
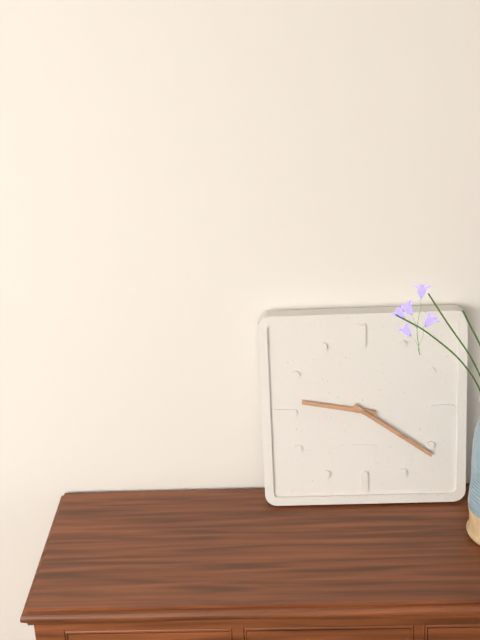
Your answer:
**9:21**
